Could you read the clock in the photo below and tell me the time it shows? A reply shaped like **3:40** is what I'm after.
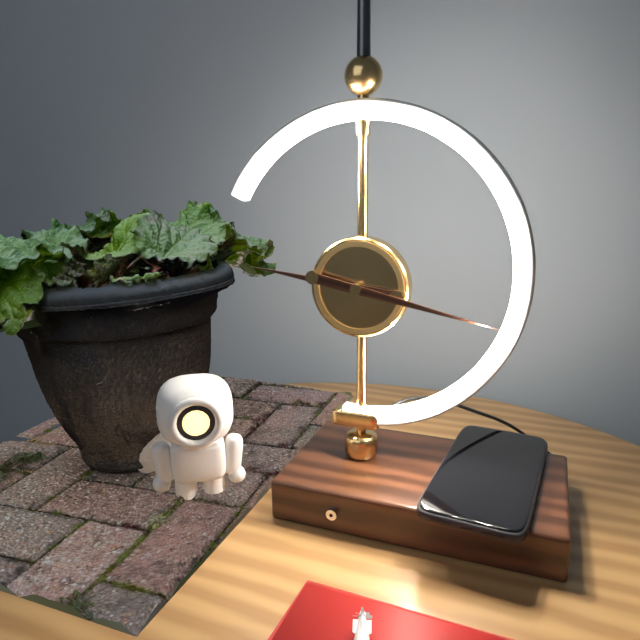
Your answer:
**9:17**
